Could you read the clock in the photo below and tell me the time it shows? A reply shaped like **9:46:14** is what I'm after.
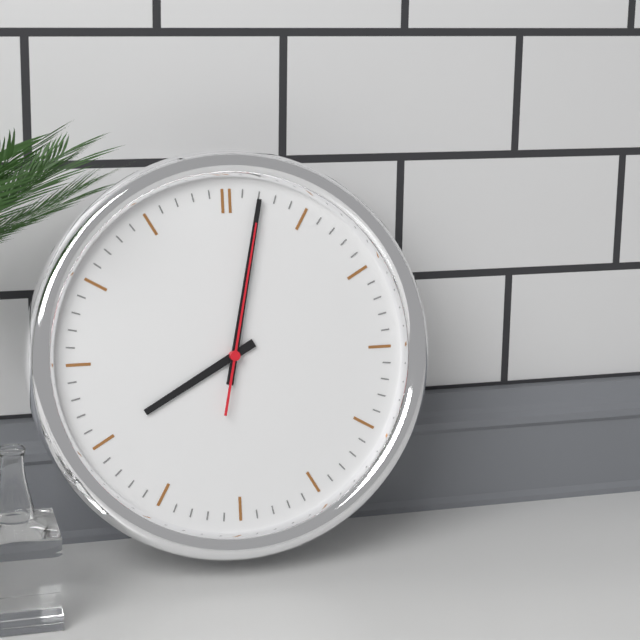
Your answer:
**8:02:02**
